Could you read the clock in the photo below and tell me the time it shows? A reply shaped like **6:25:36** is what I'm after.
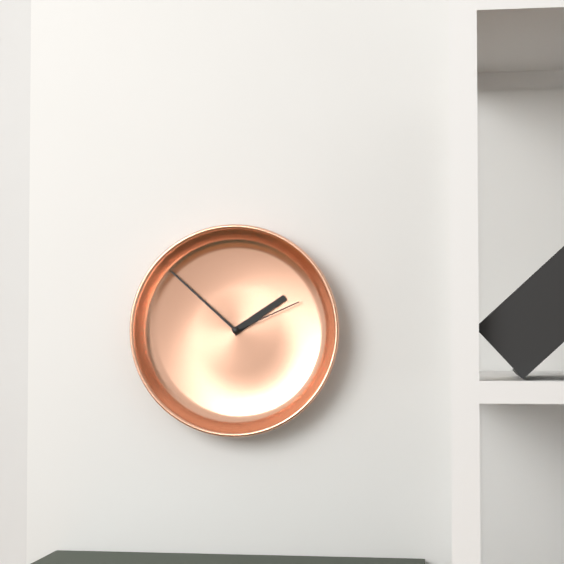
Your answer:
**1:52:11**
